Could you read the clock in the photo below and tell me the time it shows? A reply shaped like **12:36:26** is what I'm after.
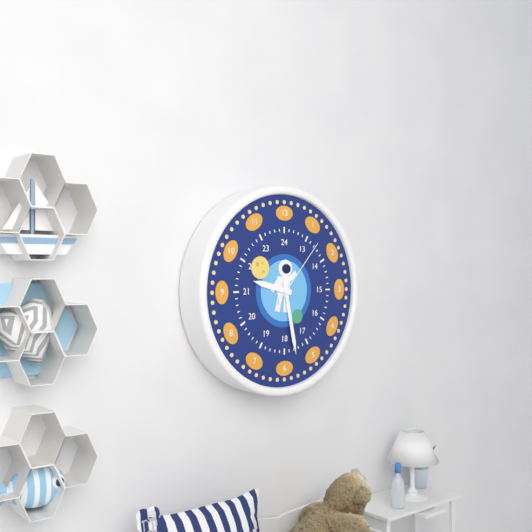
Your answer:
**9:28:07**
